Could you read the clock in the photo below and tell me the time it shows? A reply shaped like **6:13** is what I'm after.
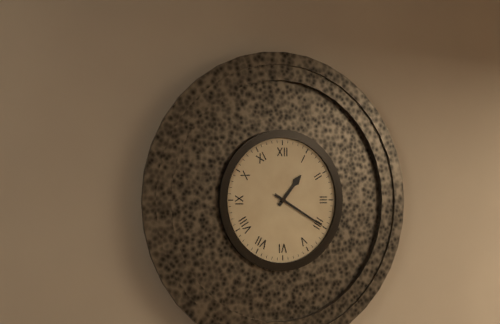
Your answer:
**1:20**
